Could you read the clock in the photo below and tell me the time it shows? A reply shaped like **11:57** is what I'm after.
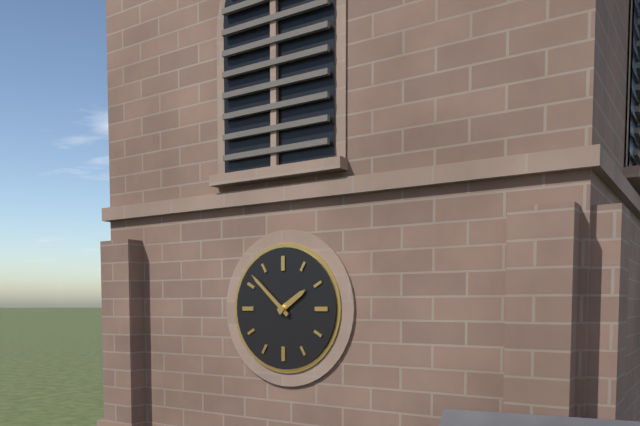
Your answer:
**1:52**
